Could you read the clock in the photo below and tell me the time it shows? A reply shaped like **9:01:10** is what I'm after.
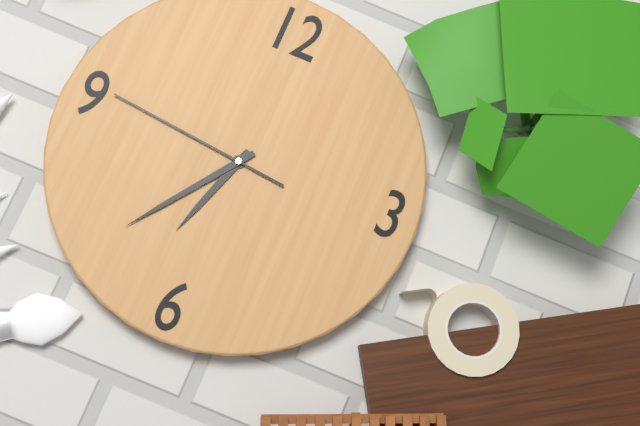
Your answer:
**6:36:46**
